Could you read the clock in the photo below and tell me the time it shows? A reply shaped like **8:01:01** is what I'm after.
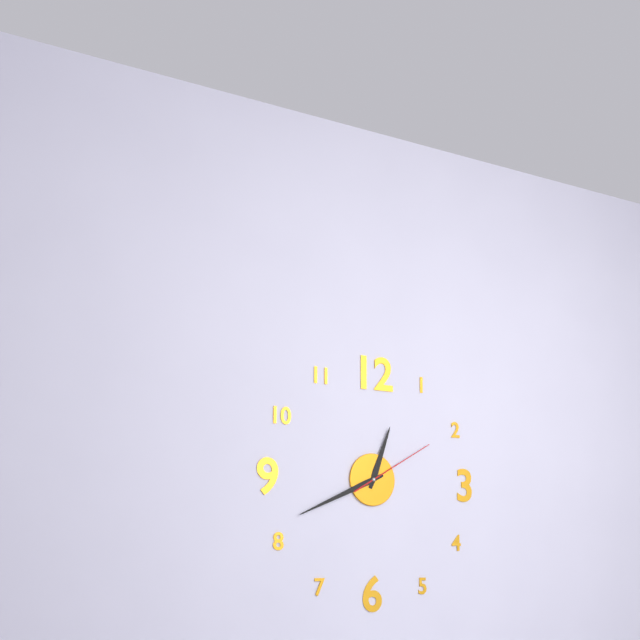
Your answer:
**12:41:10**
